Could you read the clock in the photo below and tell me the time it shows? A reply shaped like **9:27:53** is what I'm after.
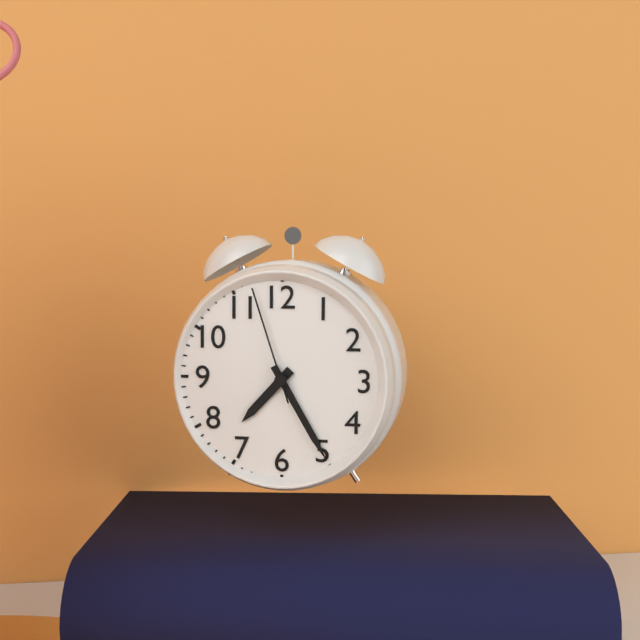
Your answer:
**7:25:57**
